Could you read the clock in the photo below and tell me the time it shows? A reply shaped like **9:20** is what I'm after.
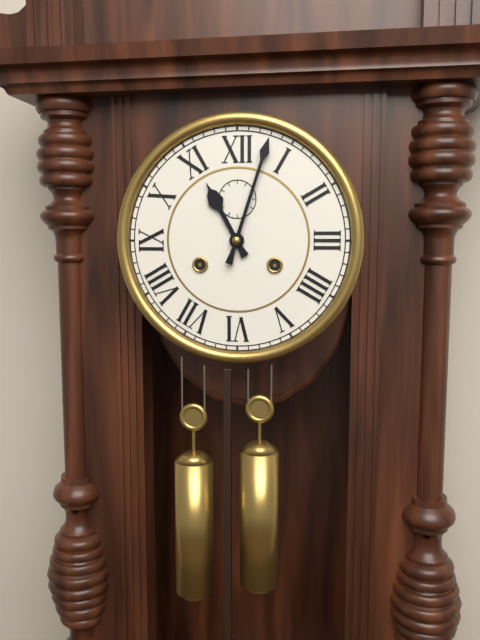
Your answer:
**11:03**
